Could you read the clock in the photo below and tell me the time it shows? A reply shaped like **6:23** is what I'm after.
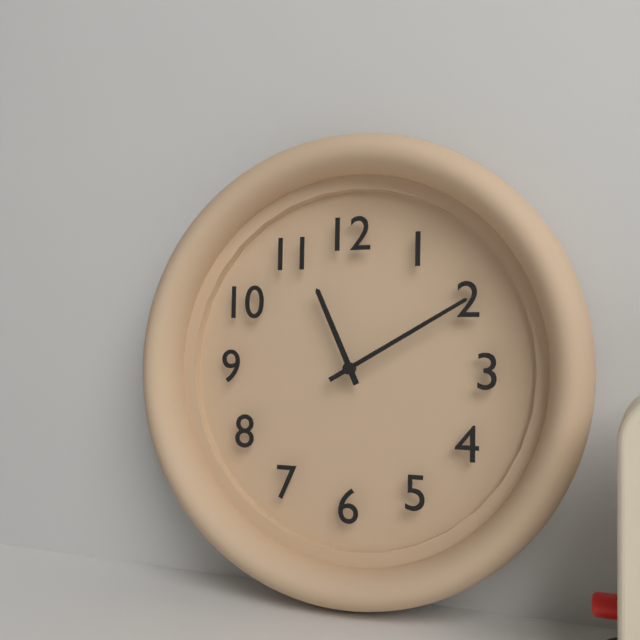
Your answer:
**11:10**
